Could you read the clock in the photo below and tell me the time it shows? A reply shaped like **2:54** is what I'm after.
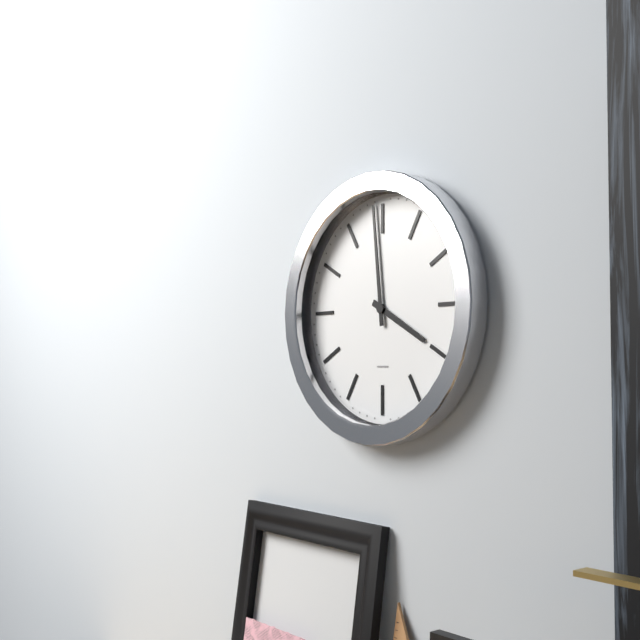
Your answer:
**3:59**
